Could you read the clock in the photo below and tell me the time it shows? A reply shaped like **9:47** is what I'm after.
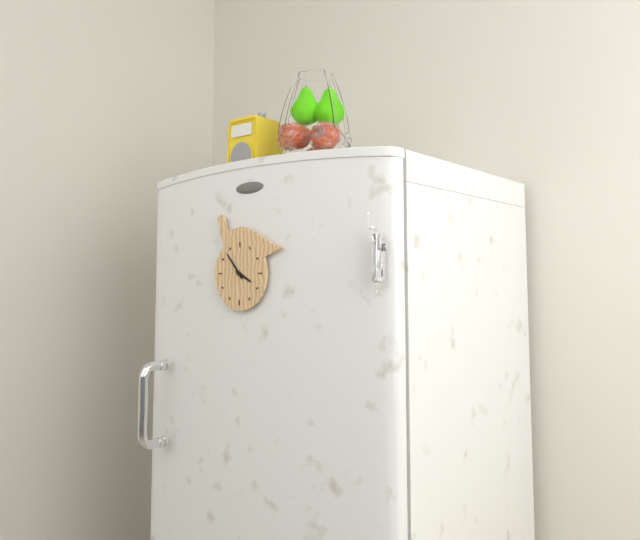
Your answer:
**3:53**
